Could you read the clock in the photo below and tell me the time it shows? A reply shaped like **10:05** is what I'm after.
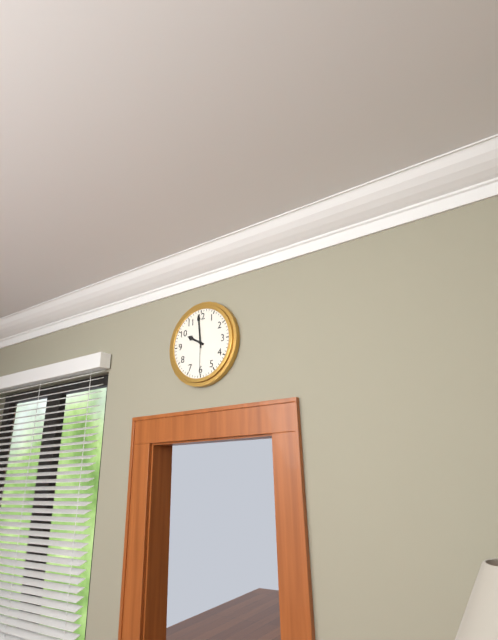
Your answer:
**9:59**
